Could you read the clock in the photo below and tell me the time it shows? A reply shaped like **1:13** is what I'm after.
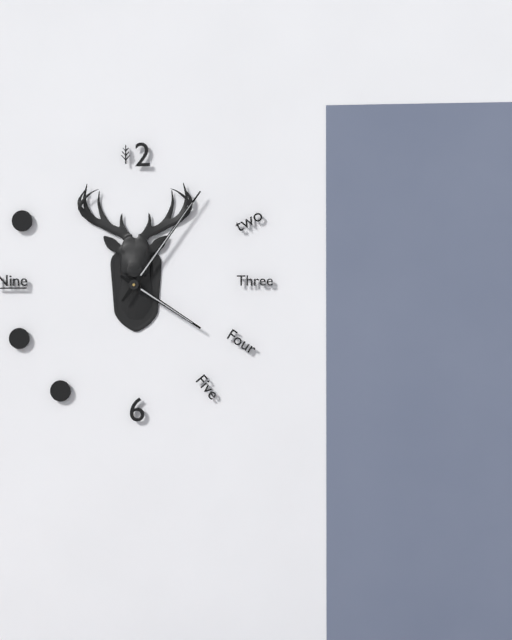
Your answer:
**4:06**
